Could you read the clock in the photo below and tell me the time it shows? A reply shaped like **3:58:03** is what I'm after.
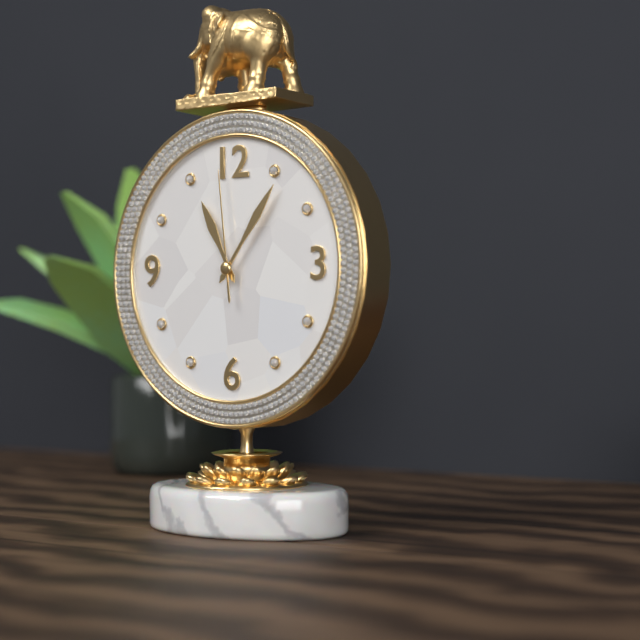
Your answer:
**11:06:59**
